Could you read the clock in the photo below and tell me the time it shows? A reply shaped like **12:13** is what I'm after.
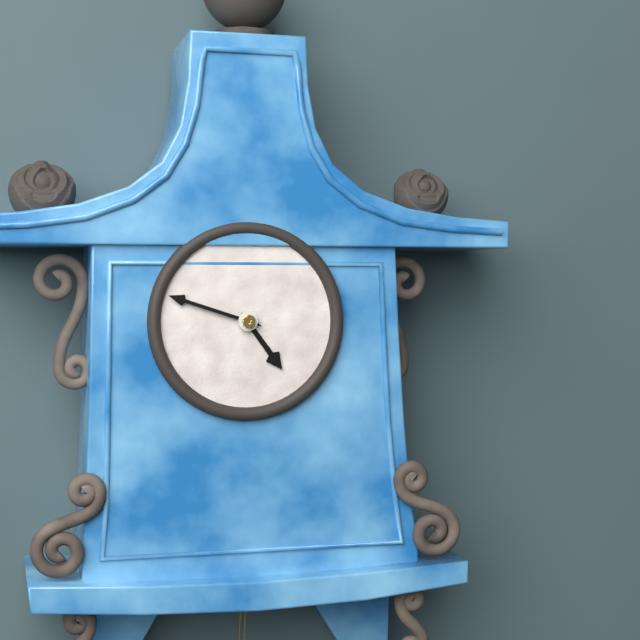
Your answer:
**4:48**
